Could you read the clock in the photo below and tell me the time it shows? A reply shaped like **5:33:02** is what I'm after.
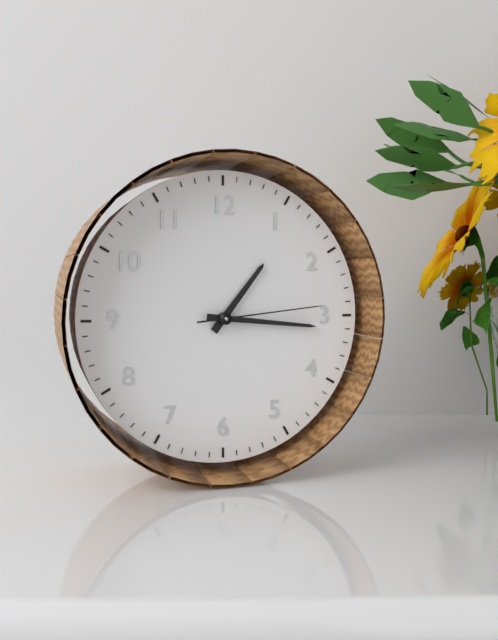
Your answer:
**1:16:14**
